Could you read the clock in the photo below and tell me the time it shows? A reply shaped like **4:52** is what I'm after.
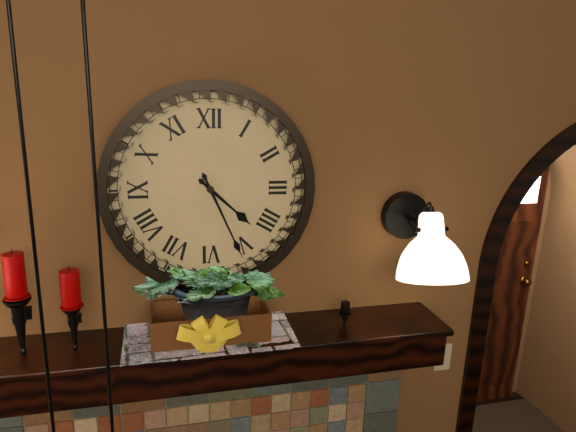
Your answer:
**4:26**
